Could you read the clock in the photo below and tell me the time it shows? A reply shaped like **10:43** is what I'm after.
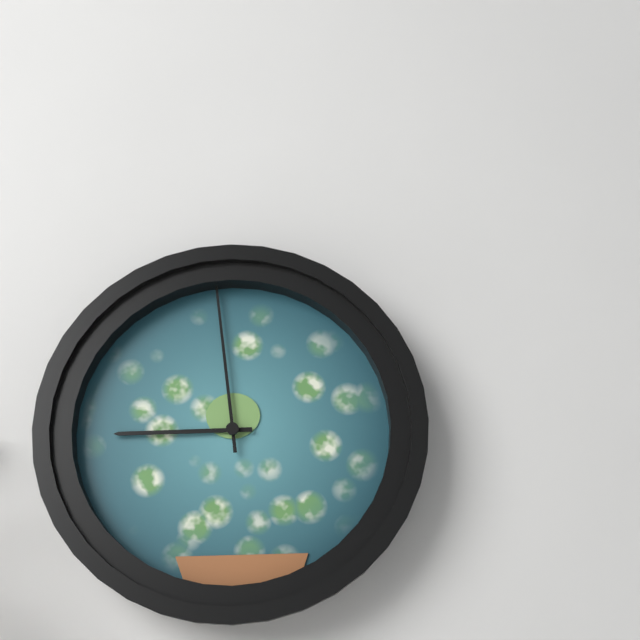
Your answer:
**8:59**
